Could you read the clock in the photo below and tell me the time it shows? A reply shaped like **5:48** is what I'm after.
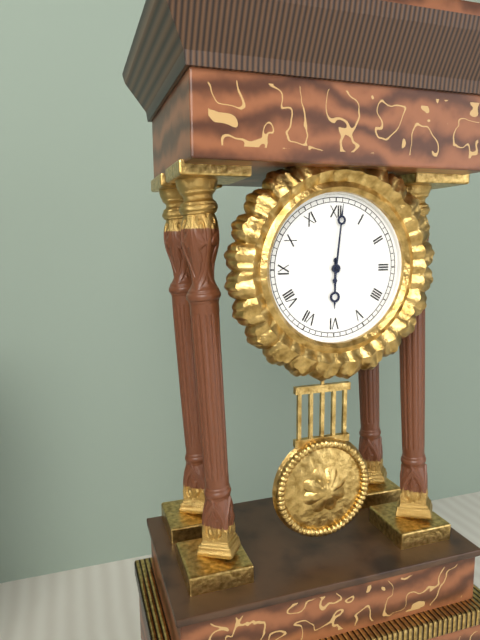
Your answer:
**6:01**
